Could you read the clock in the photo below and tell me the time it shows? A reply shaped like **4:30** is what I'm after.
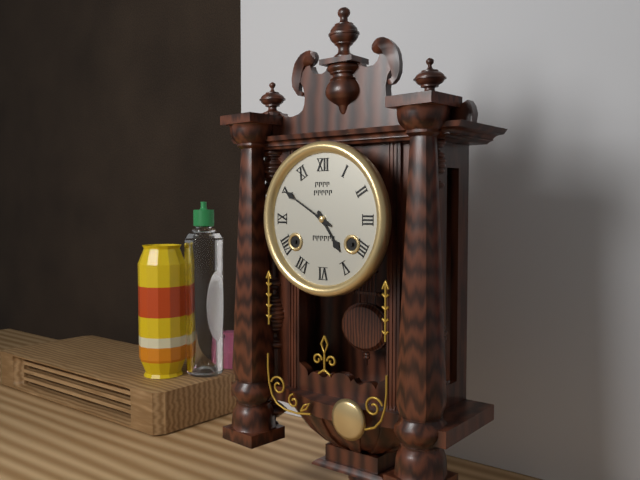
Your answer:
**4:50**
